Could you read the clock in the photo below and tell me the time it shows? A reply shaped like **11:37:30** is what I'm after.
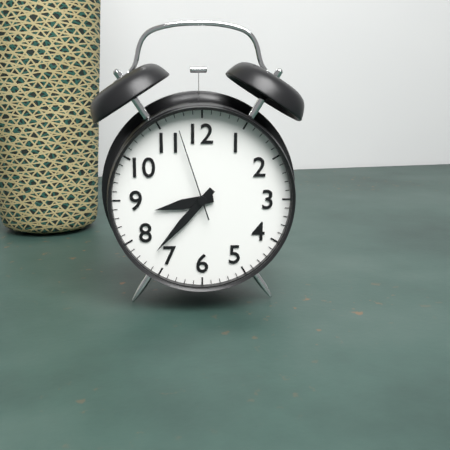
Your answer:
**8:37:57**
